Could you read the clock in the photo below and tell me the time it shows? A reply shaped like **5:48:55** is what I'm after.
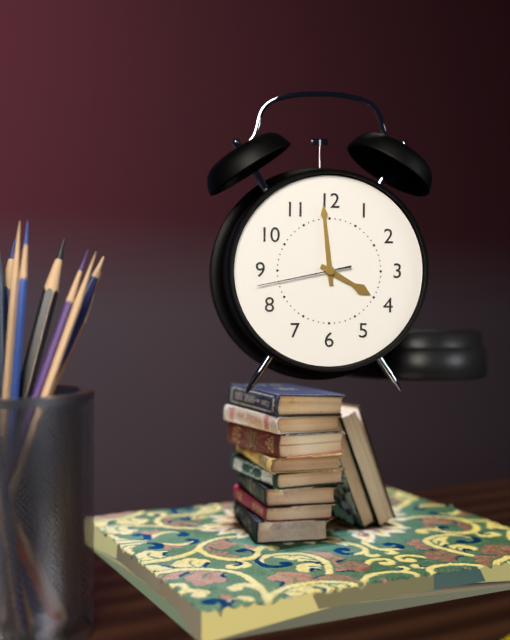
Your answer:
**3:59:43**
